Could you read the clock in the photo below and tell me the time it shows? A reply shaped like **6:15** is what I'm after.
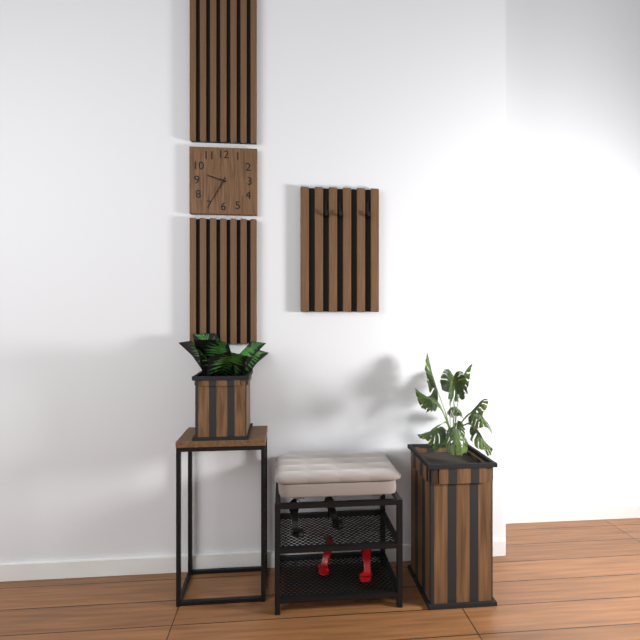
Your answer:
**9:35**
